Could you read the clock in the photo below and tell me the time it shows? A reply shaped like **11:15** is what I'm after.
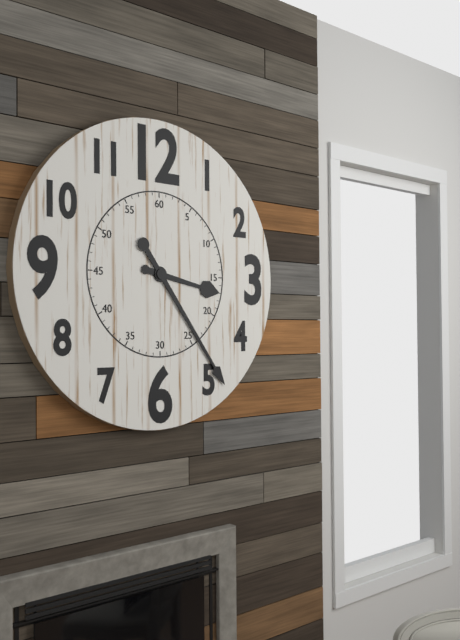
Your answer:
**3:24**
